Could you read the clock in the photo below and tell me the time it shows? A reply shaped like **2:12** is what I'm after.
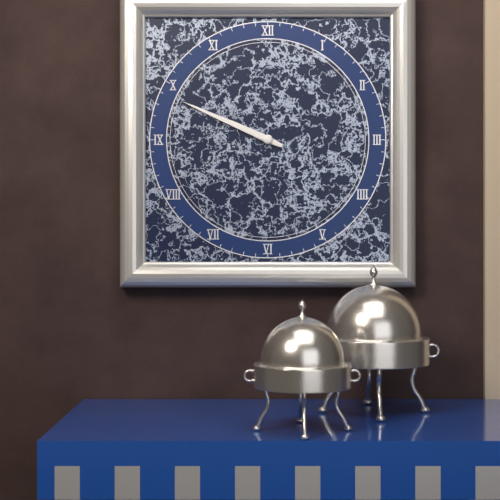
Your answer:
**9:49**
